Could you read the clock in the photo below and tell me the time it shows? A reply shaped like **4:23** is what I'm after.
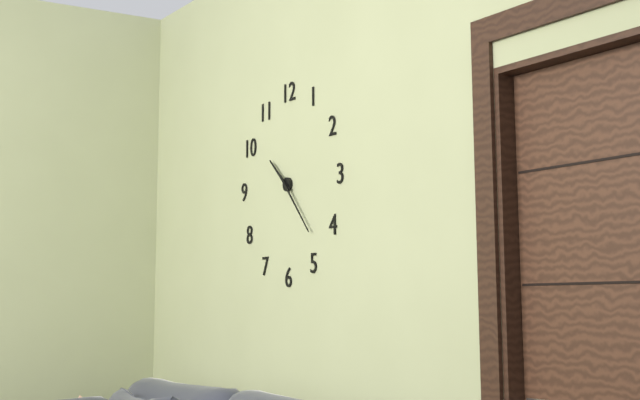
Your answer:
**10:23**
